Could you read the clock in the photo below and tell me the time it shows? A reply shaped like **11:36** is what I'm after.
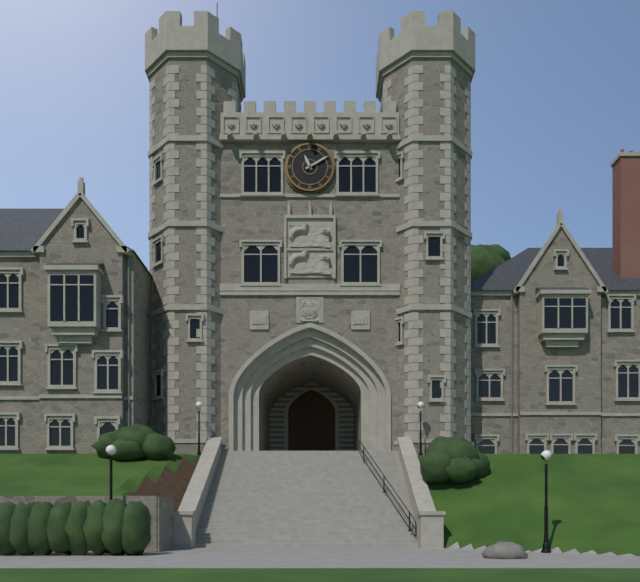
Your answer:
**11:10**
